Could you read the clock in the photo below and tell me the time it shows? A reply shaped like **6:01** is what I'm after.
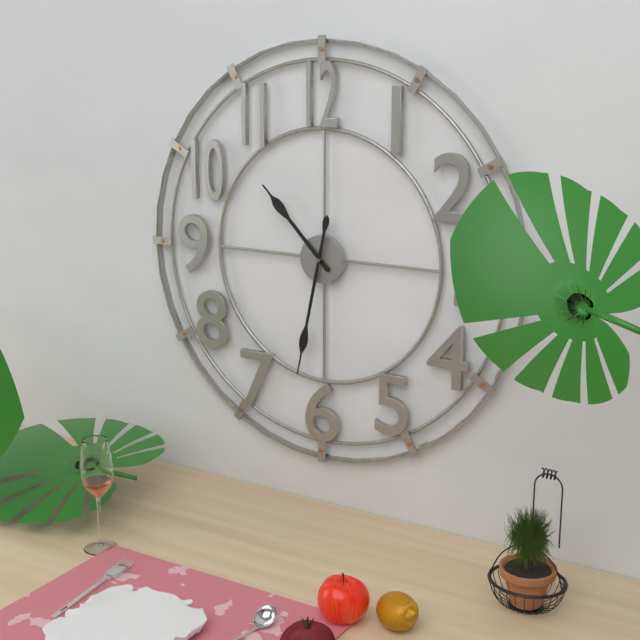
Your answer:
**10:32**
